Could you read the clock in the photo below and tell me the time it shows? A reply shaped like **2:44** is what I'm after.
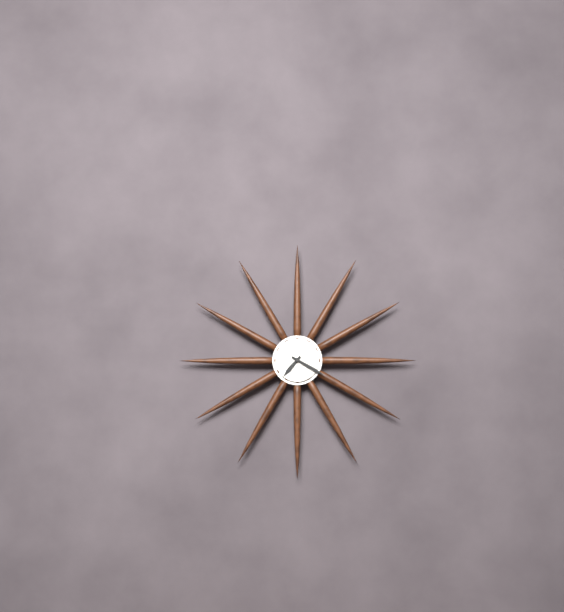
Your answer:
**7:20**
